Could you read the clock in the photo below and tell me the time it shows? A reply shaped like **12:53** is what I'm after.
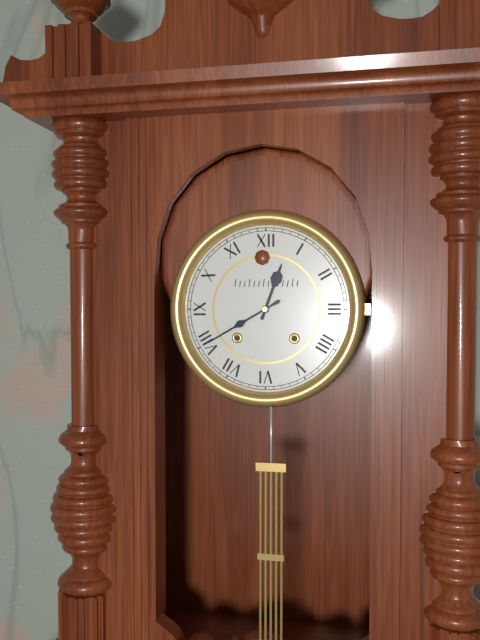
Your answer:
**12:40**
